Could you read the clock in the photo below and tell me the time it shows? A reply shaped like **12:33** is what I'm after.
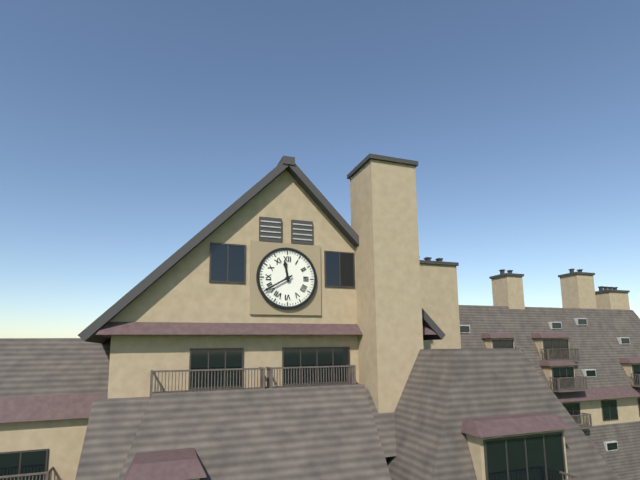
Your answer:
**11:40**
